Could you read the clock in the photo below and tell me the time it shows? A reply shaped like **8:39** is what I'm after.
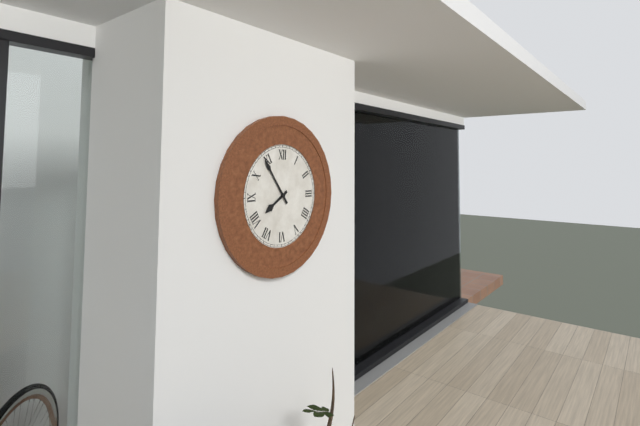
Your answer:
**7:54**
